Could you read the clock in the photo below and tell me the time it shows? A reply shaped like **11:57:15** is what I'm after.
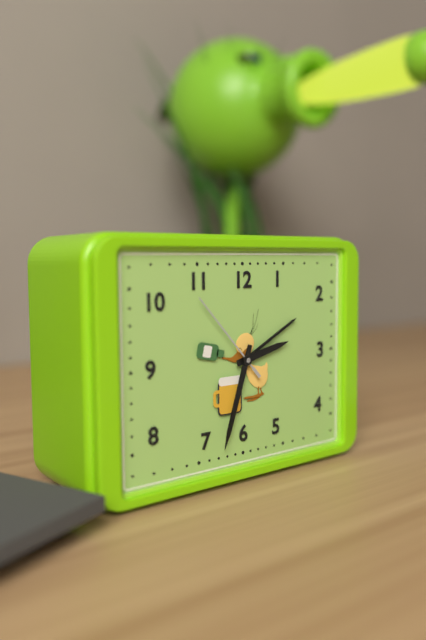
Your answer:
**2:33:53**
